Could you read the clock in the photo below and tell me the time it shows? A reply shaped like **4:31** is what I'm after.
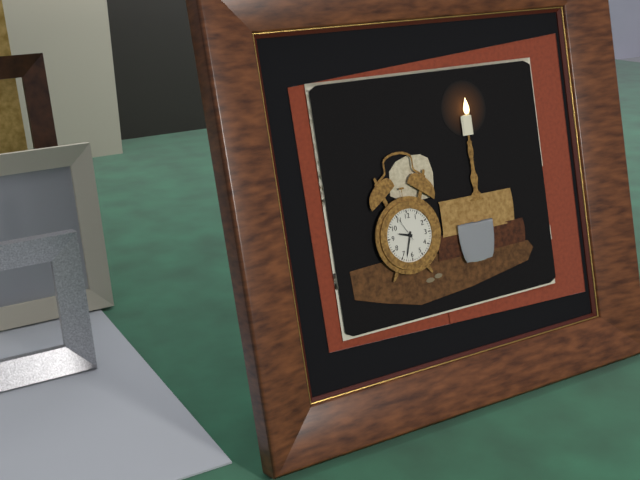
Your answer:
**9:33**
